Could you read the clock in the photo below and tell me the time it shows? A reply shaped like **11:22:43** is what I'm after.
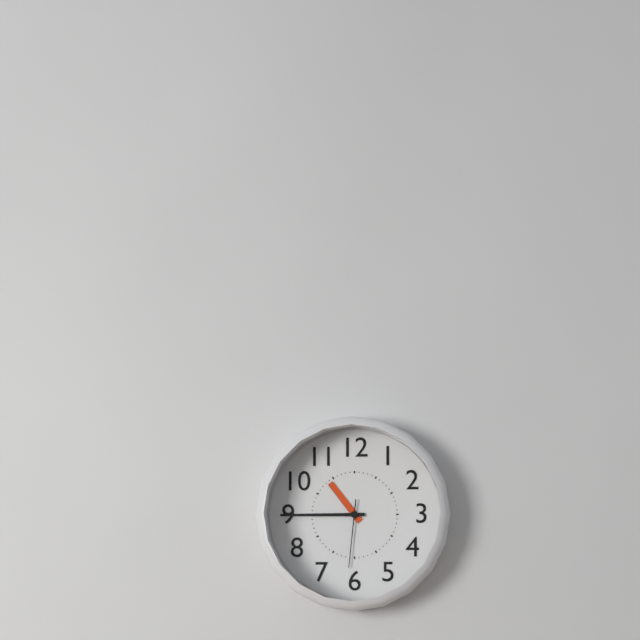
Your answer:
**10:45:31**
